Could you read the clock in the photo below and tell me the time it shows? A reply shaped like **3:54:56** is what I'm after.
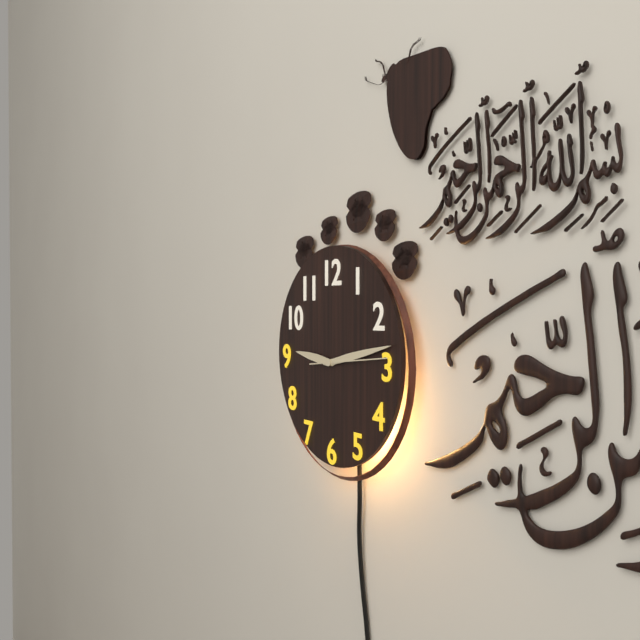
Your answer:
**9:13:14**
